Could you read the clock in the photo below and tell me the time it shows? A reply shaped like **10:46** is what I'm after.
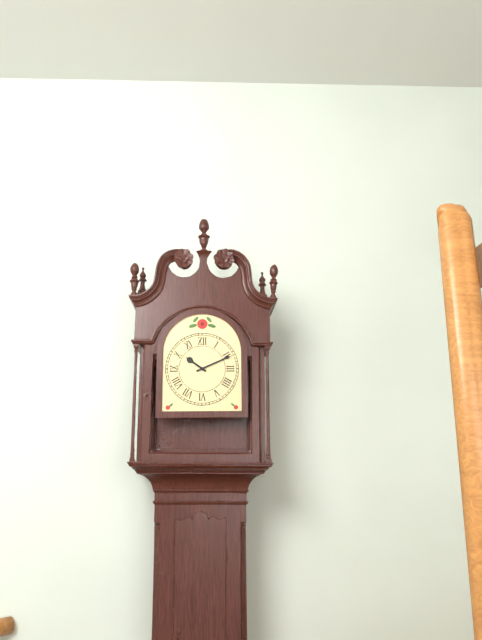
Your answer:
**10:11**
